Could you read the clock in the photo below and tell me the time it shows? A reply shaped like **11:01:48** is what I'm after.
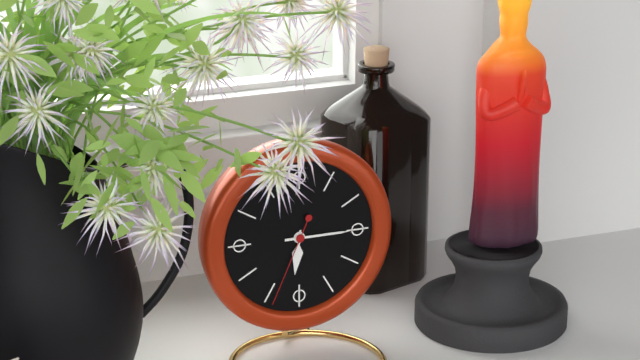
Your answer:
**6:15:34**
